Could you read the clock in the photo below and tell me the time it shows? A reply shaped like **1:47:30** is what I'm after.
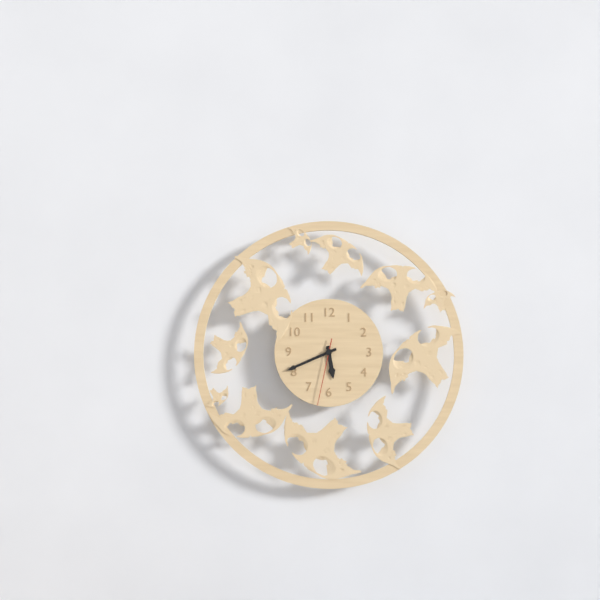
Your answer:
**5:41:32**
